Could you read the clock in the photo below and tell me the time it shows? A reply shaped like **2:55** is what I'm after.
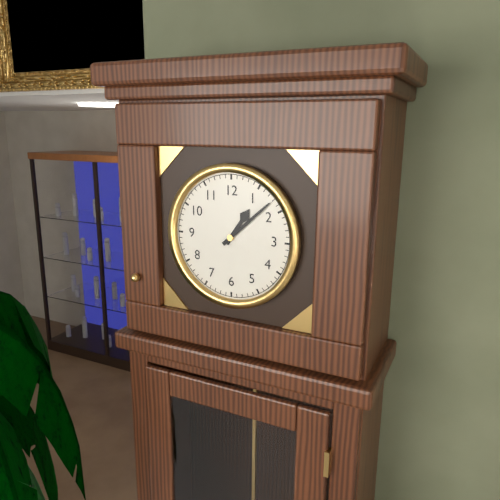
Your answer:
**1:08**
